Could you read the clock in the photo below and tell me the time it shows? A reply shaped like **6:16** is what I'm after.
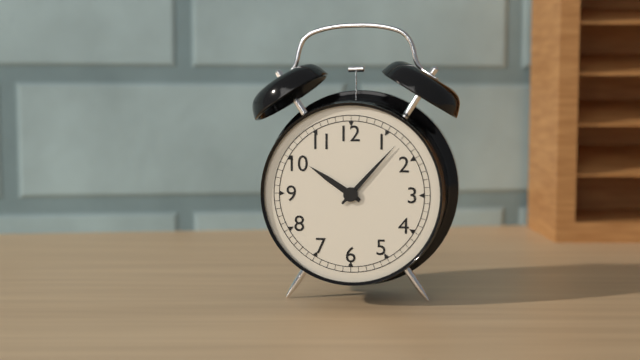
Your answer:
**10:07**
